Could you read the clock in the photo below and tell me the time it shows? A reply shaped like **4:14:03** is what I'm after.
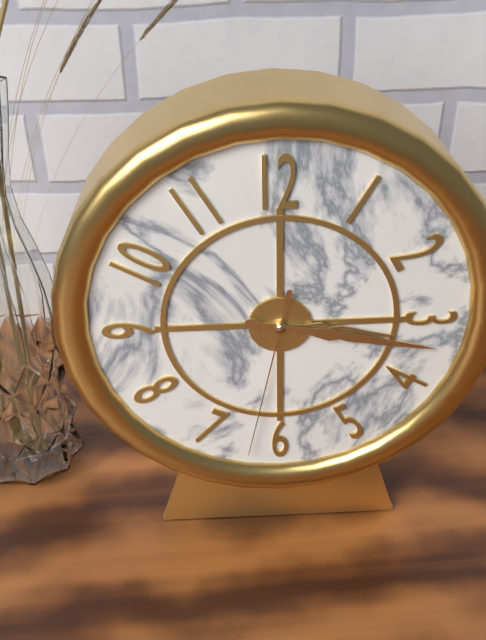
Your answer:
**3:17:32**
